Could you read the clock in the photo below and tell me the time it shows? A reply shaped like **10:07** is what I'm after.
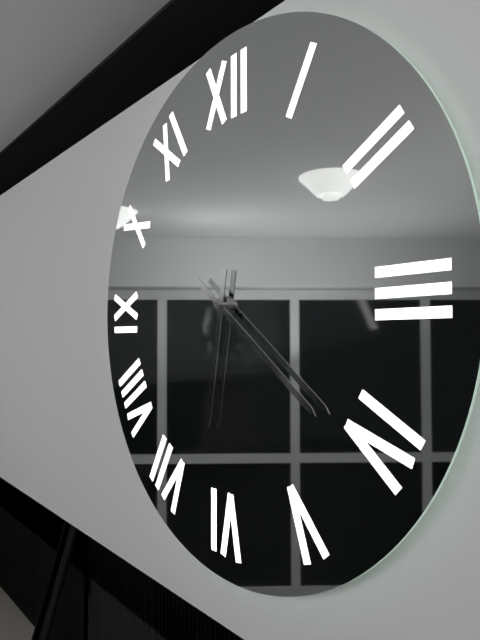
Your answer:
**6:21**
